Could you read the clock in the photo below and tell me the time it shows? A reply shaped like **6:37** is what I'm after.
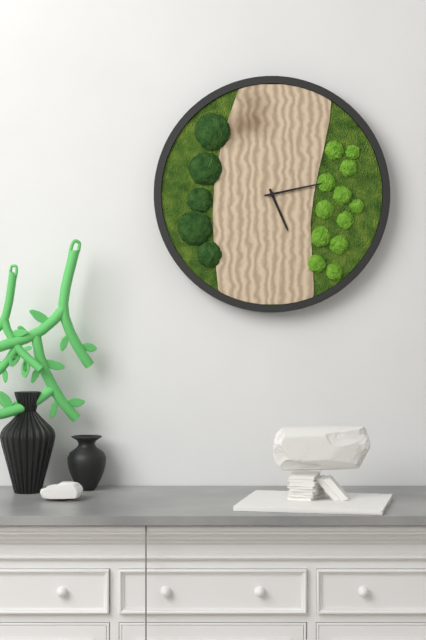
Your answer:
**5:13**
